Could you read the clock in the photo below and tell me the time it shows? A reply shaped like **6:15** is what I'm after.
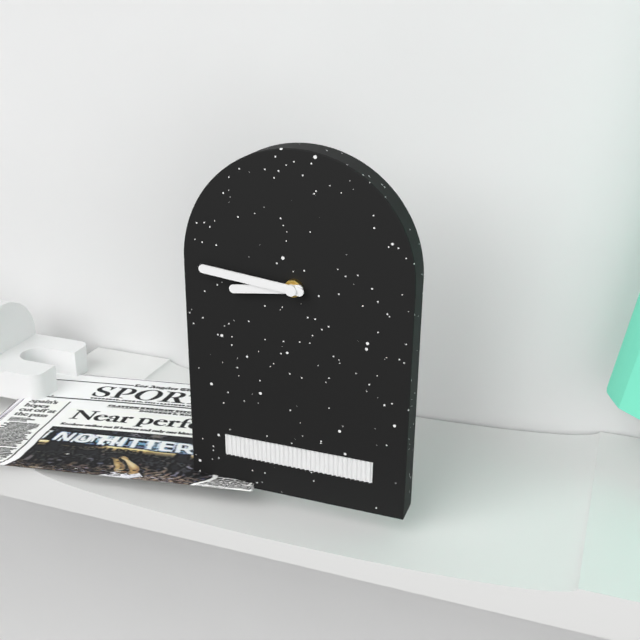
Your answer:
**8:46**
